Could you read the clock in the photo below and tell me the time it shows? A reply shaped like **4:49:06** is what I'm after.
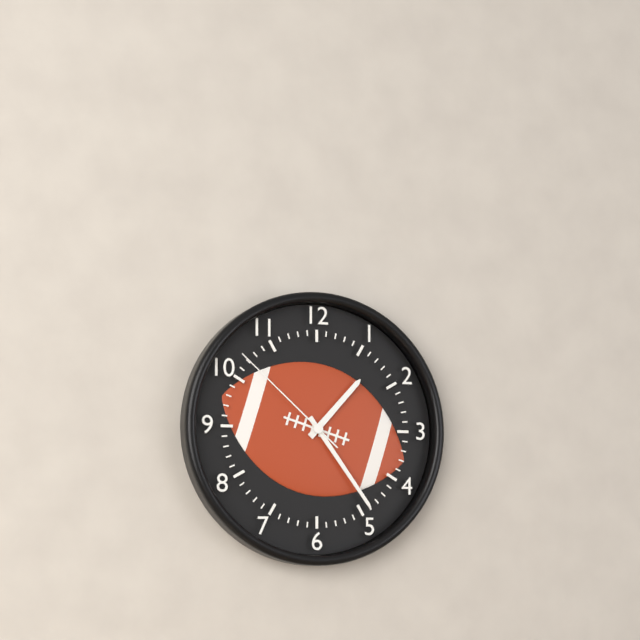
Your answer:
**1:24:52**
